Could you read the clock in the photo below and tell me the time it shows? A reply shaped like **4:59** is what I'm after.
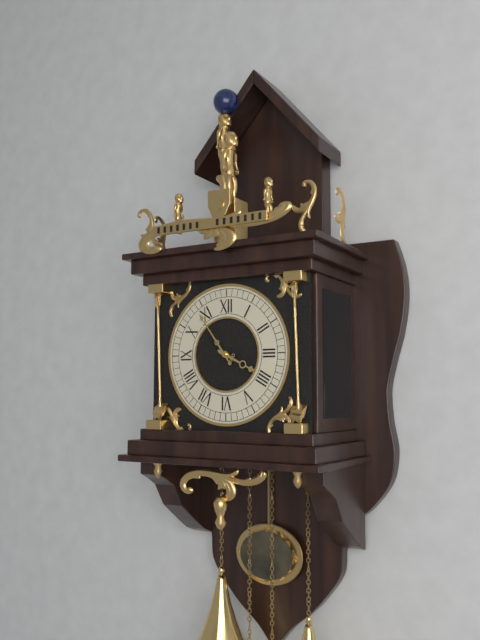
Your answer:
**3:54**
